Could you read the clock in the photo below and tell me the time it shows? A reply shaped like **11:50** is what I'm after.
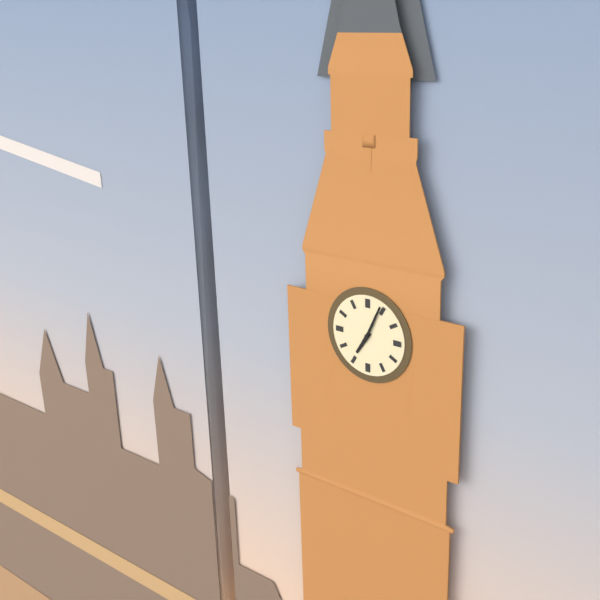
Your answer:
**7:04**
